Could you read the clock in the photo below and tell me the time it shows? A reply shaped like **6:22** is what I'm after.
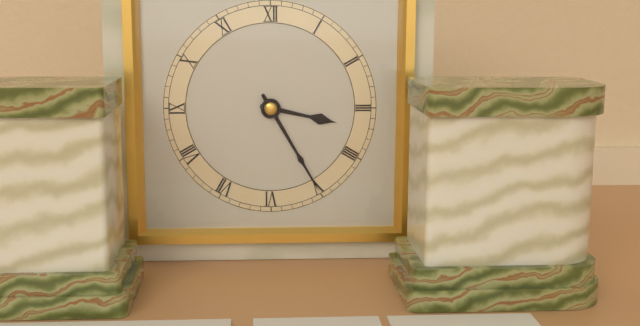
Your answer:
**3:25**
